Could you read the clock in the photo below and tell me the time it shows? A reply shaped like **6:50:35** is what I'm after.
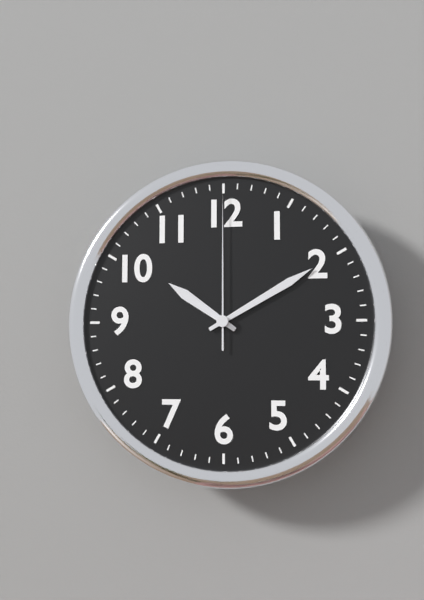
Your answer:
**10:10:00**
